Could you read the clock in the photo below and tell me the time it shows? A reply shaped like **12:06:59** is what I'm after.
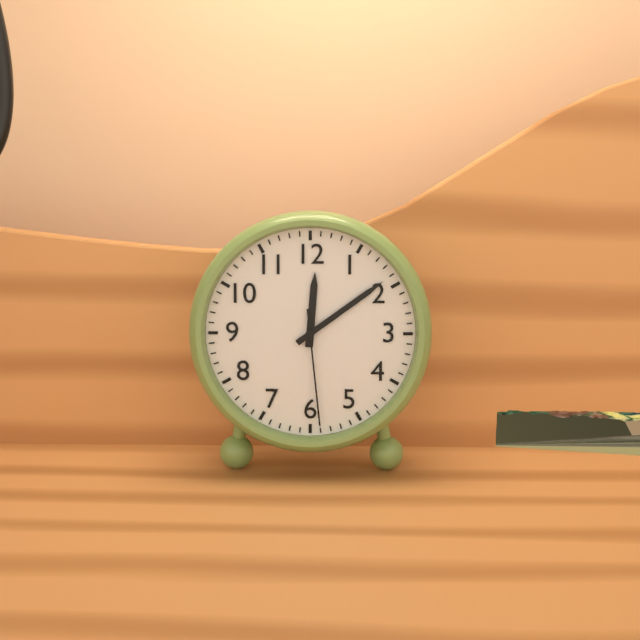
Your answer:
**12:09:29**
